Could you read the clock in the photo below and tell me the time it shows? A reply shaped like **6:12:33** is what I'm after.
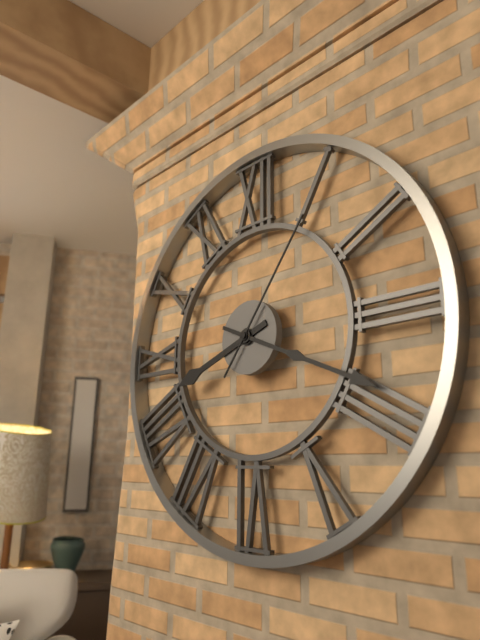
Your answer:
**8:19:06**
